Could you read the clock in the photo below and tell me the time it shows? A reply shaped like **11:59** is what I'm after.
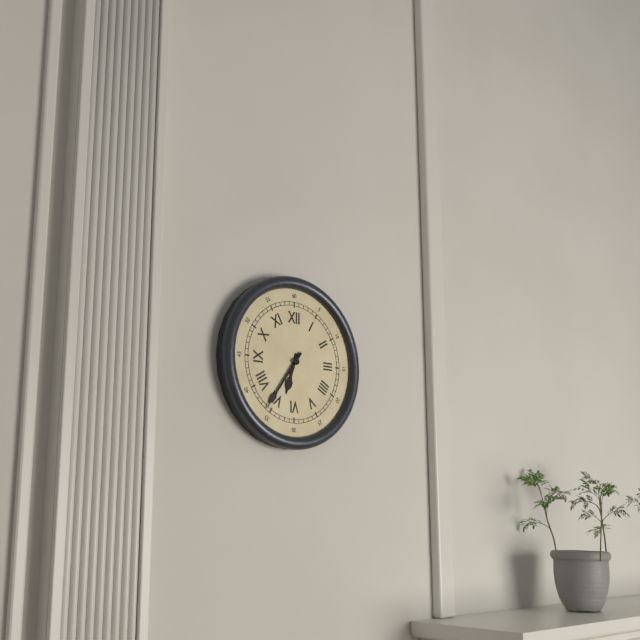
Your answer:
**6:36**
